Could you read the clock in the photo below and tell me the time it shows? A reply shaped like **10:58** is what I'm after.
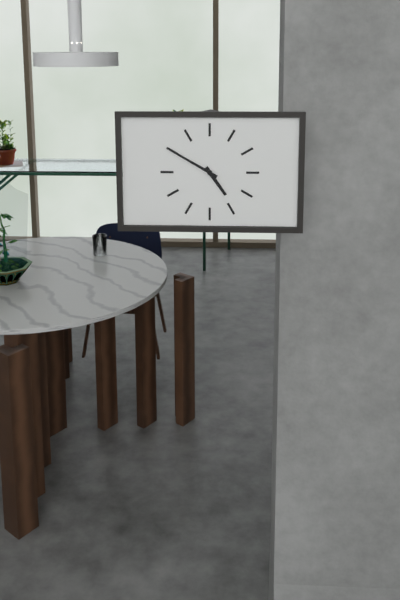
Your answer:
**4:50**
